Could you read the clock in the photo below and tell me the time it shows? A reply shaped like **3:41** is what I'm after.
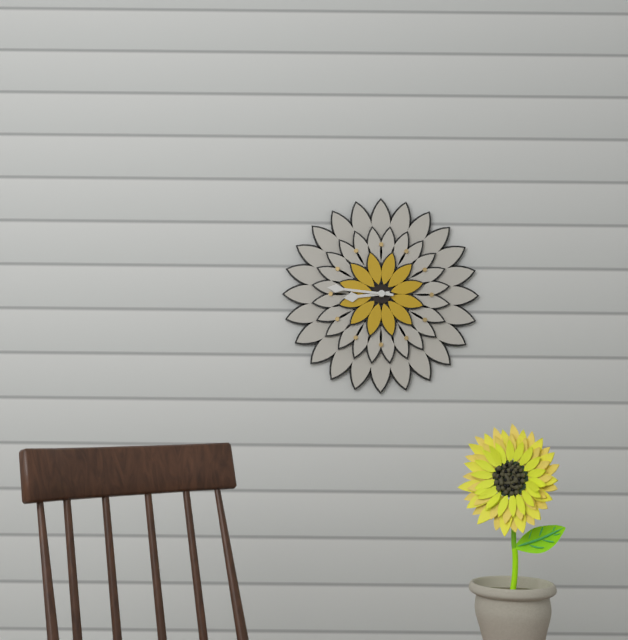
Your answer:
**8:46**
